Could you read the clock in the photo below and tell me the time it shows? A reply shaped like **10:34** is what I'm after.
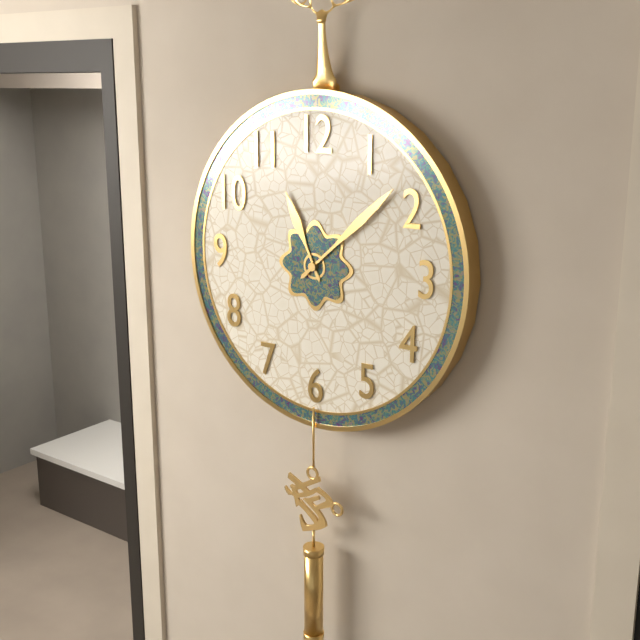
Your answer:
**11:08**
